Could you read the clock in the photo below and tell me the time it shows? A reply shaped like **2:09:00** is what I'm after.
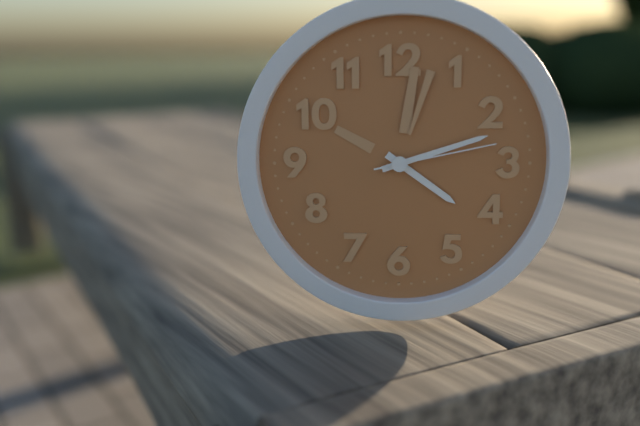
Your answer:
**4:12:13**
